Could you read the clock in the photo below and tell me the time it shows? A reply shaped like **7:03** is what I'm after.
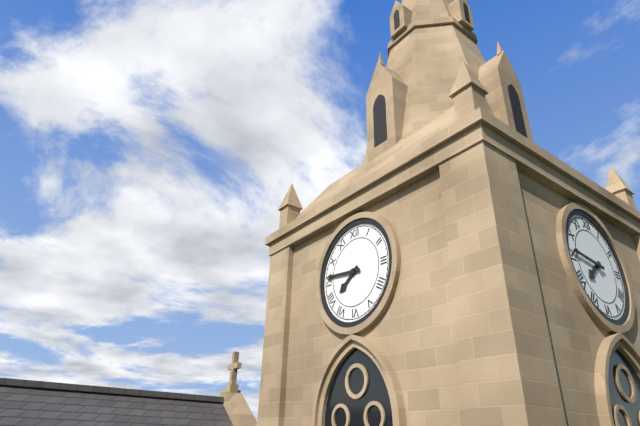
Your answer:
**7:46**
